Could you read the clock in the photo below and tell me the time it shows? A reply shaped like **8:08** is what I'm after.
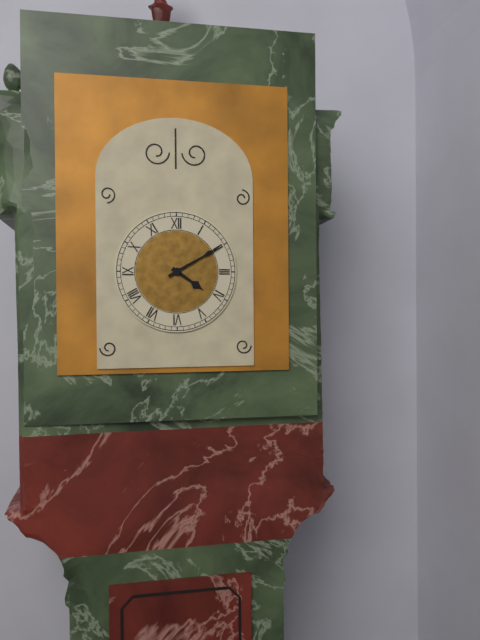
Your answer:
**4:10**
